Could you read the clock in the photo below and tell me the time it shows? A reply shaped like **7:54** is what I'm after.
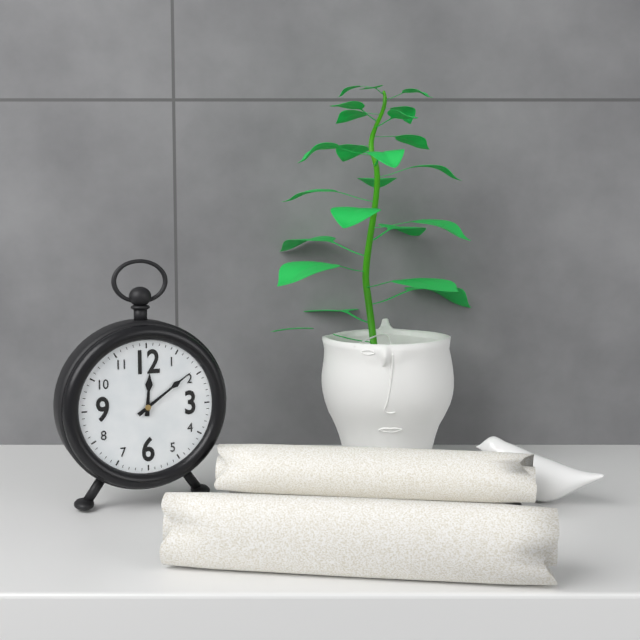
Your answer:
**12:09**
